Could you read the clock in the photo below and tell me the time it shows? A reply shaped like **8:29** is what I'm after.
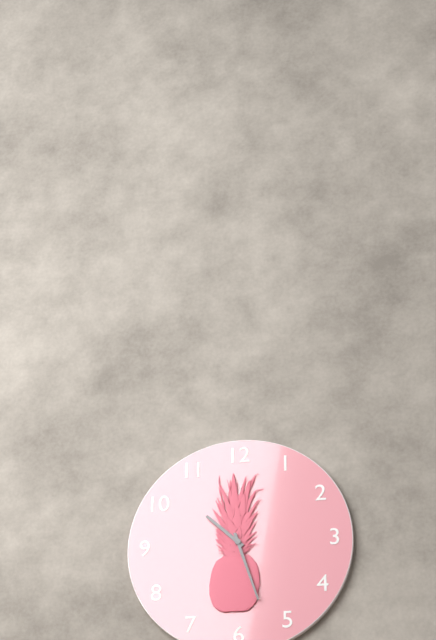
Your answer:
**10:27**
